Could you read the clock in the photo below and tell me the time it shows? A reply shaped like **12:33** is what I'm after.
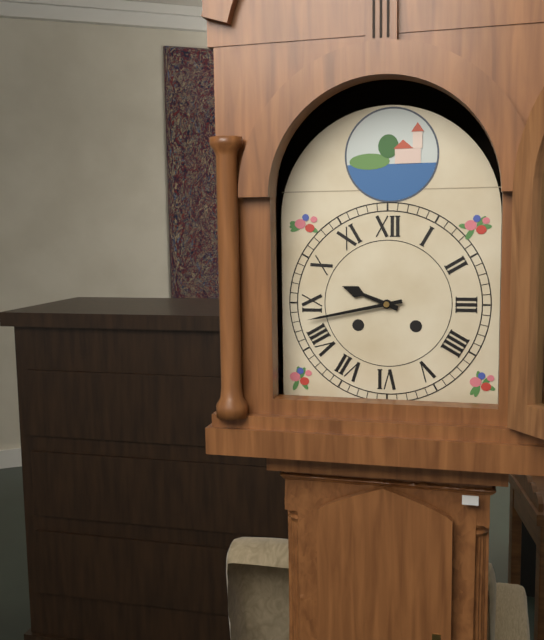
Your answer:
**9:43**
